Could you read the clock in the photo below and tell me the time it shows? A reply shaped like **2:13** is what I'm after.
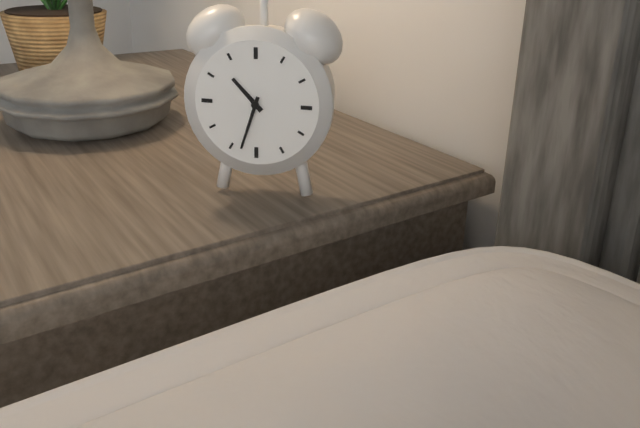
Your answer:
**10:33**
